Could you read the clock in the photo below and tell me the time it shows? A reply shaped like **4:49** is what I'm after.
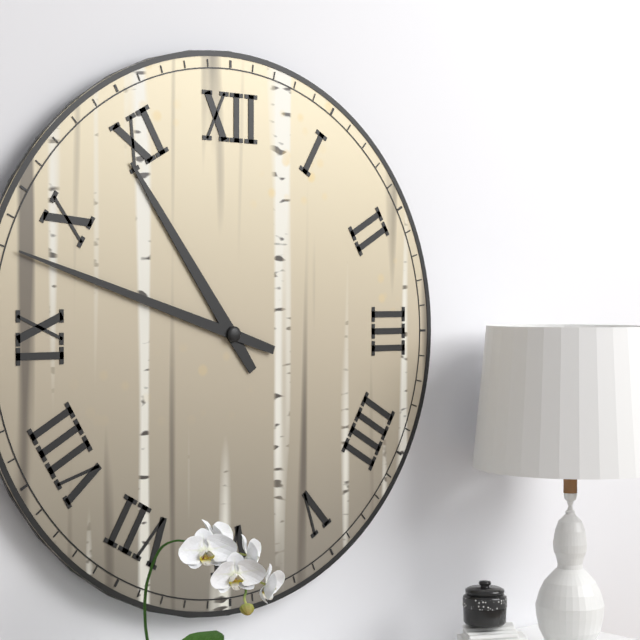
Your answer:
**10:48**
